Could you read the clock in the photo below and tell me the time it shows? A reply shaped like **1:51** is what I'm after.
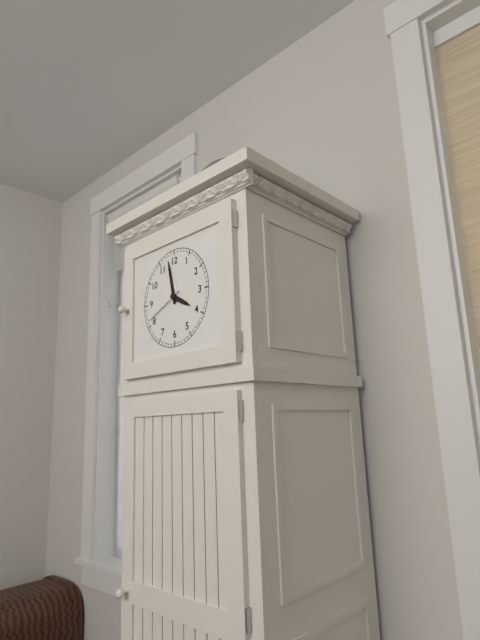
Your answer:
**3:58**
